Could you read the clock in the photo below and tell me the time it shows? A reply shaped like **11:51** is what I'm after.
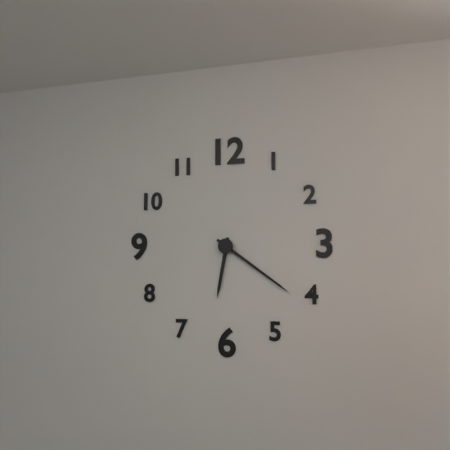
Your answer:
**6:21**
